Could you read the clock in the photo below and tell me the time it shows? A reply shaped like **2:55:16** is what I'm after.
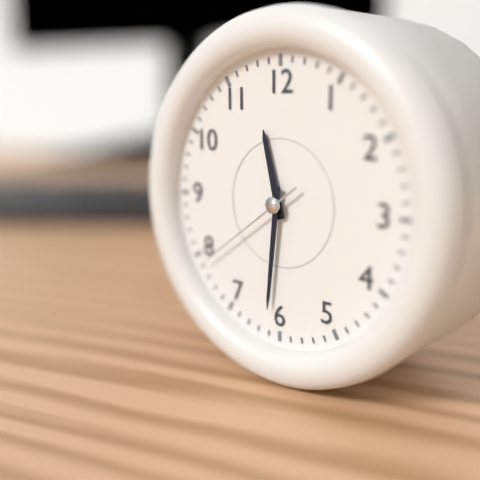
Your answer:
**11:31:39**
